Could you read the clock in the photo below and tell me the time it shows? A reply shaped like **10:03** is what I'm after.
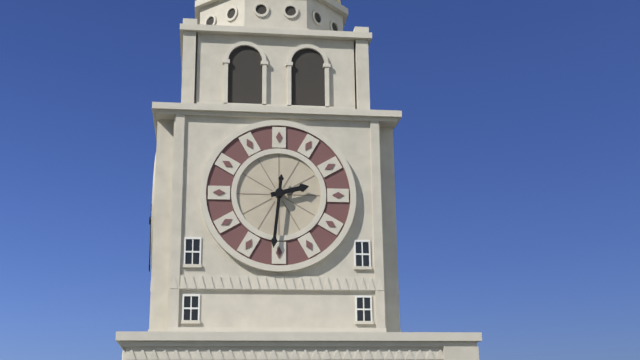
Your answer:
**2:31**
